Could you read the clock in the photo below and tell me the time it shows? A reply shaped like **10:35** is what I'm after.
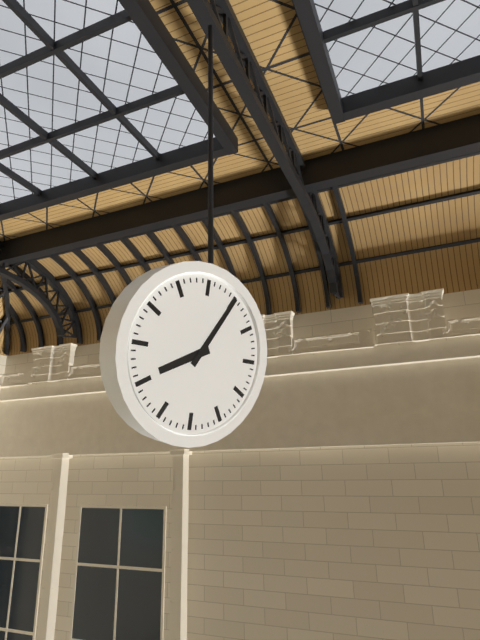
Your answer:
**8:05**
